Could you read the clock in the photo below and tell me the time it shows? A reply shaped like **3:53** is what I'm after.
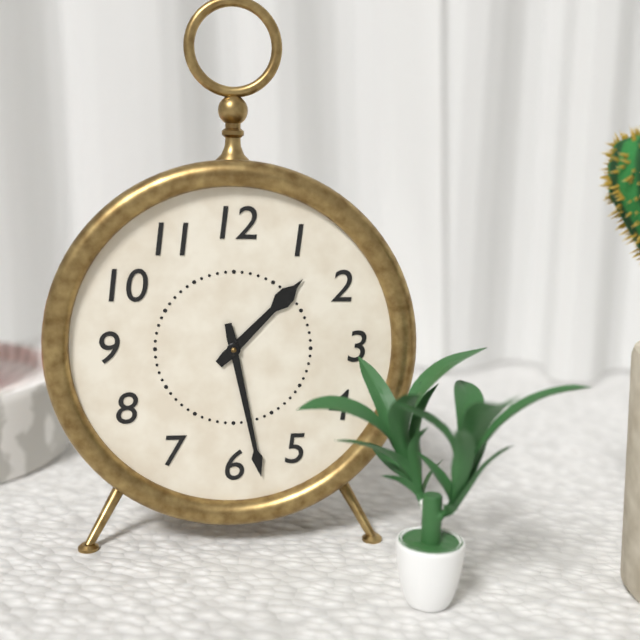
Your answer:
**1:28**
